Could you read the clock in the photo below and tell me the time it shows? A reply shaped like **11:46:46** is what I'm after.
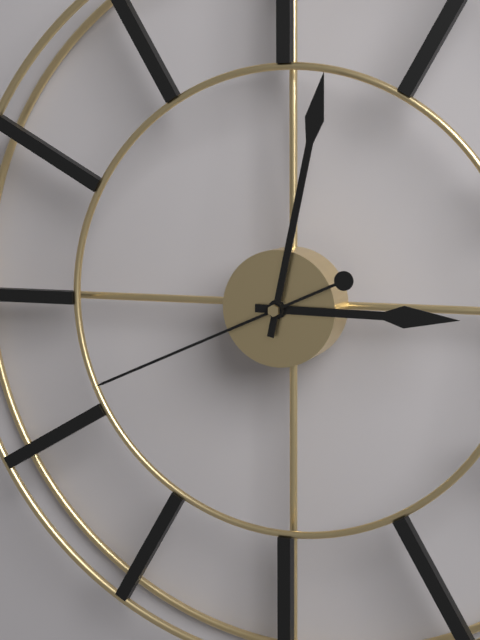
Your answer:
**3:02:41**
